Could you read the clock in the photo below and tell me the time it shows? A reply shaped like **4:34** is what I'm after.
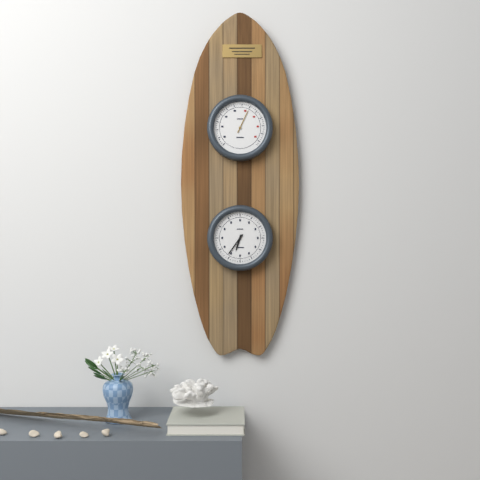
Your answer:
**6:36**
